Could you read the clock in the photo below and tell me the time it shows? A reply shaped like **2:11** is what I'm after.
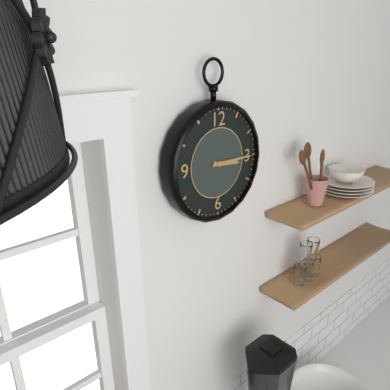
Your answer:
**3:15**
